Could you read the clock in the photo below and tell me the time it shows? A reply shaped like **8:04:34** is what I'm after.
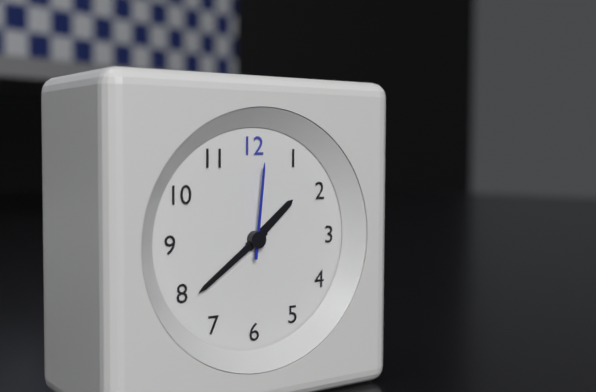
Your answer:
**1:39:01**
